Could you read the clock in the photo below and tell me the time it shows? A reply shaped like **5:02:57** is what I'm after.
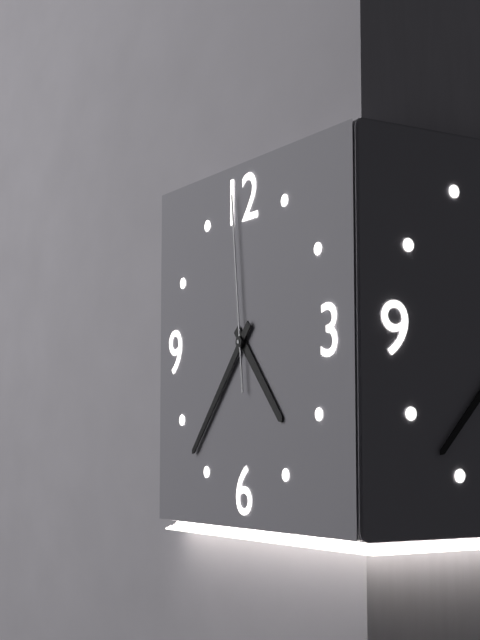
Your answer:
**4:37:59**
